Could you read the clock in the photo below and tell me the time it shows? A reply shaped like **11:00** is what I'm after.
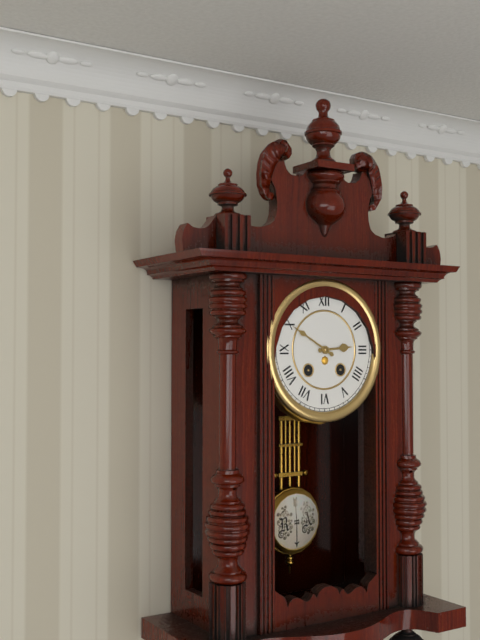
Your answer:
**2:50**
